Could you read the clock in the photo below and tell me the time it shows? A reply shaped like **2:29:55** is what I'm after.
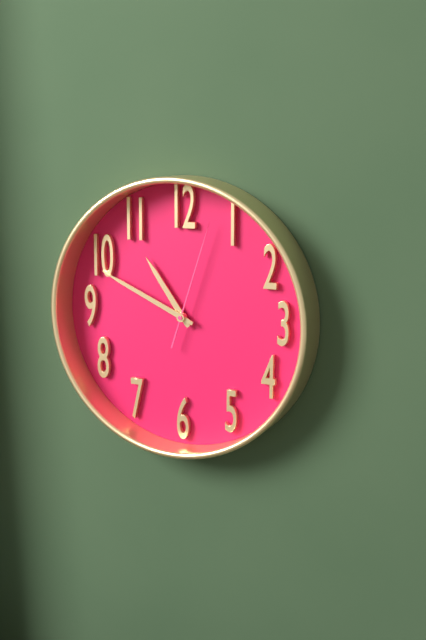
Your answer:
**10:49:03**
